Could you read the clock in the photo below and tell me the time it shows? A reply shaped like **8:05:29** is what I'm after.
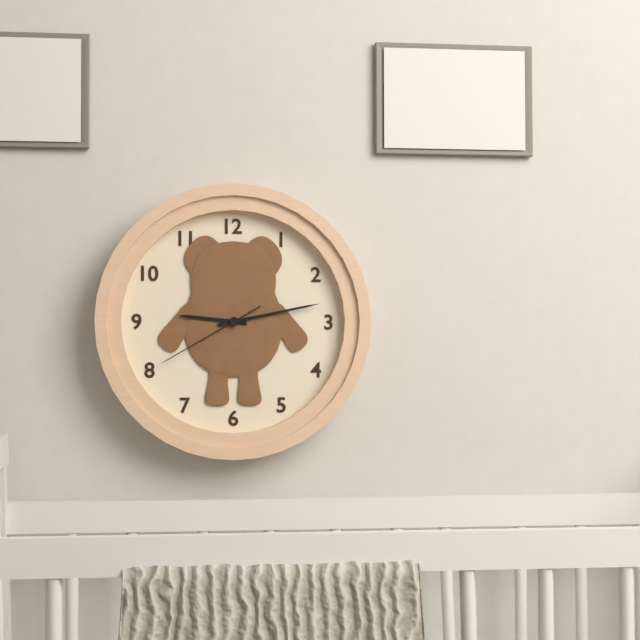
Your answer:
**9:13:40**
